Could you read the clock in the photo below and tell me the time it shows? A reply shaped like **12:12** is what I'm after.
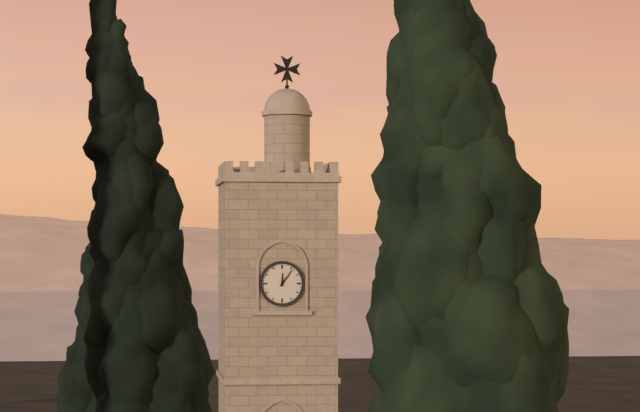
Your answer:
**12:06**
